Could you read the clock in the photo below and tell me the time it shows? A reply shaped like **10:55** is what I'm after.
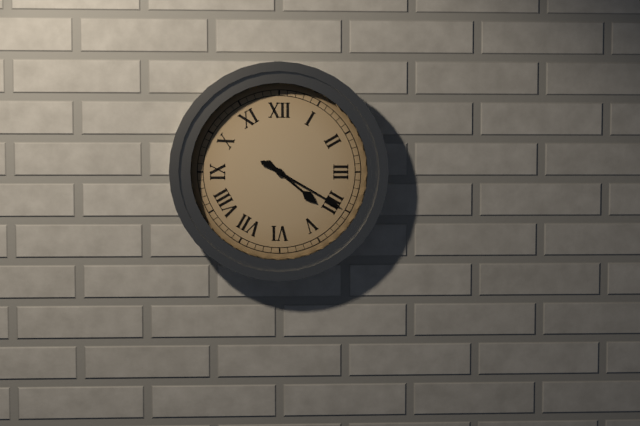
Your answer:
**4:20**
